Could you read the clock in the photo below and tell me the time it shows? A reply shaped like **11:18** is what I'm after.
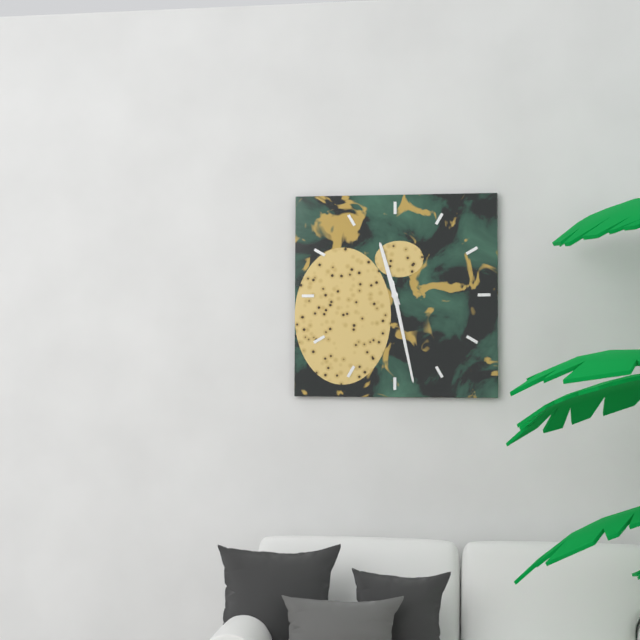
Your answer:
**11:28**
